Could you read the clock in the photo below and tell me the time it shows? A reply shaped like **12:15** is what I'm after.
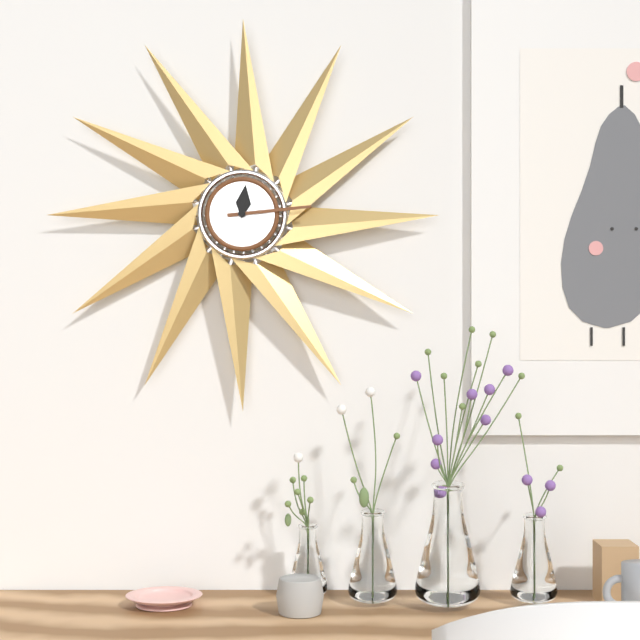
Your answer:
**12:14**
